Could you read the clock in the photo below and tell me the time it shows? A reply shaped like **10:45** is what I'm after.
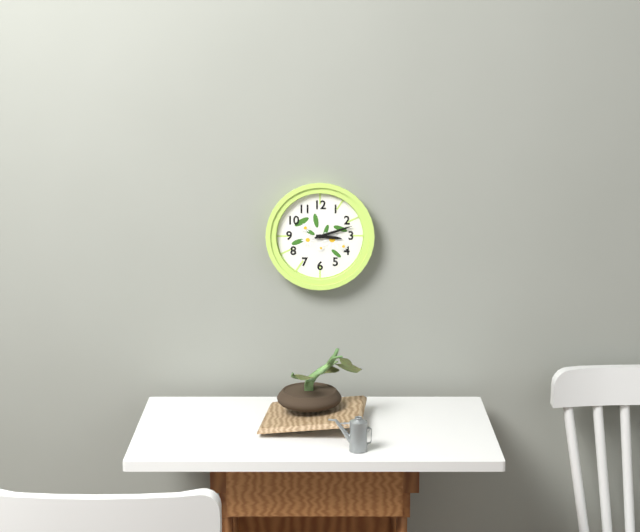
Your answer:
**3:12**
